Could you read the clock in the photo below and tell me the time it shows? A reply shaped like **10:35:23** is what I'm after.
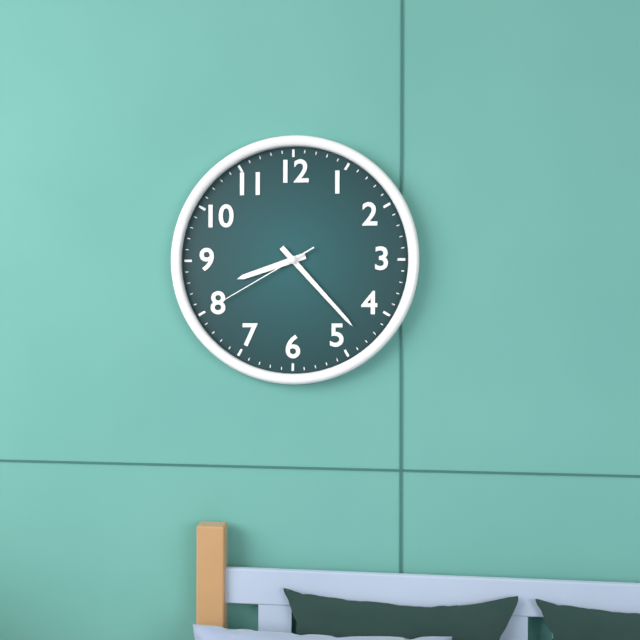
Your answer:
**8:23:40**
